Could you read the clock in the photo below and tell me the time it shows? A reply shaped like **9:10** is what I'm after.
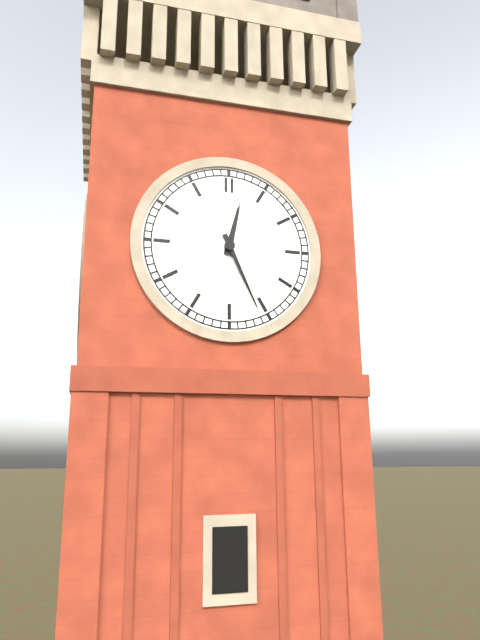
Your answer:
**12:26**
